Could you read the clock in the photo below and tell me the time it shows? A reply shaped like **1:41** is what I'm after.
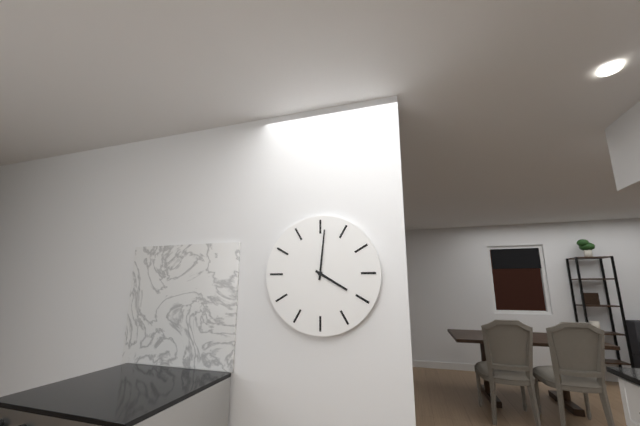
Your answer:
**4:01**
